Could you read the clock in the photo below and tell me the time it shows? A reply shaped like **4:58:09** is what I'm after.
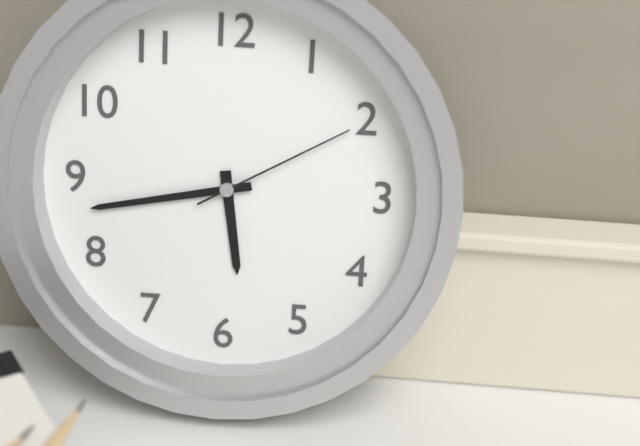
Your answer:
**5:43:10**
